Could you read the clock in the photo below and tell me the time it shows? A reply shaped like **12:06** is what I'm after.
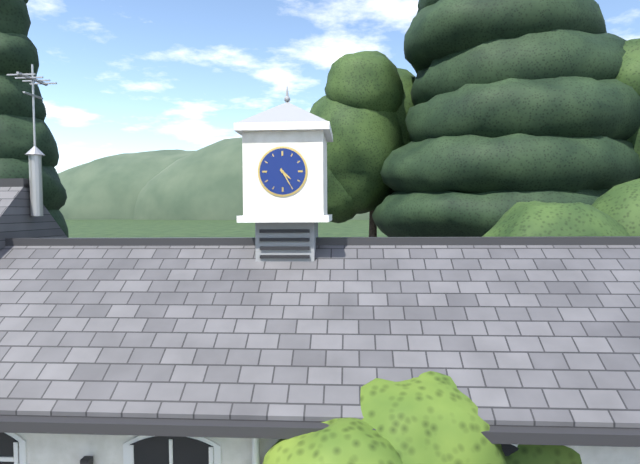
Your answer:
**4:25**
